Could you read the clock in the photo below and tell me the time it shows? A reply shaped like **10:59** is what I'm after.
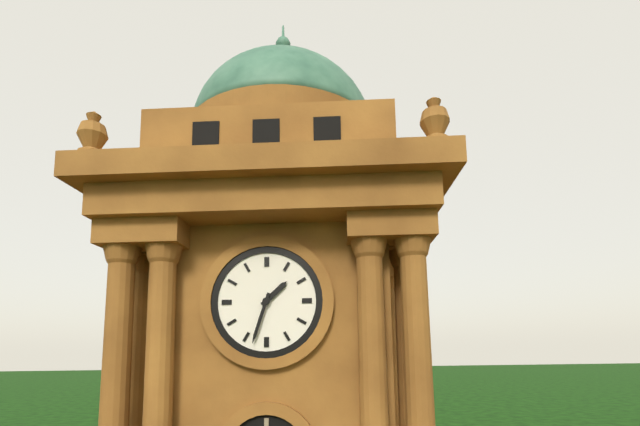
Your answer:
**1:33**
